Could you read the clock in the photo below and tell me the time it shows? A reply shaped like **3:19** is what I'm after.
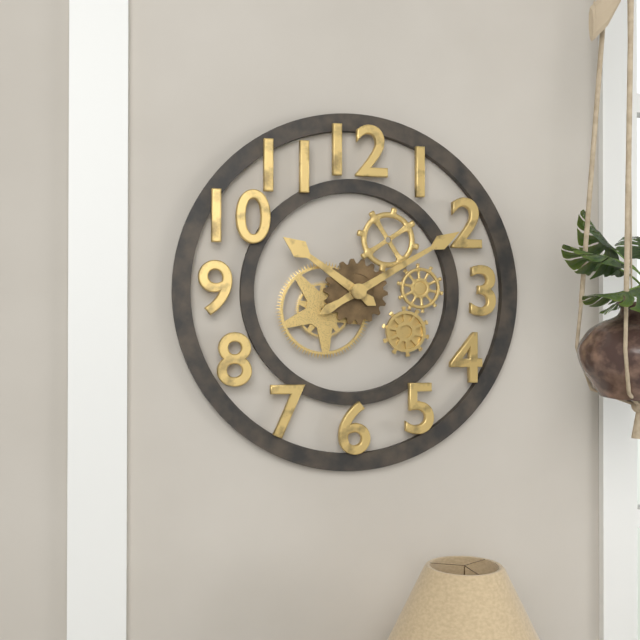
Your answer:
**10:10**
